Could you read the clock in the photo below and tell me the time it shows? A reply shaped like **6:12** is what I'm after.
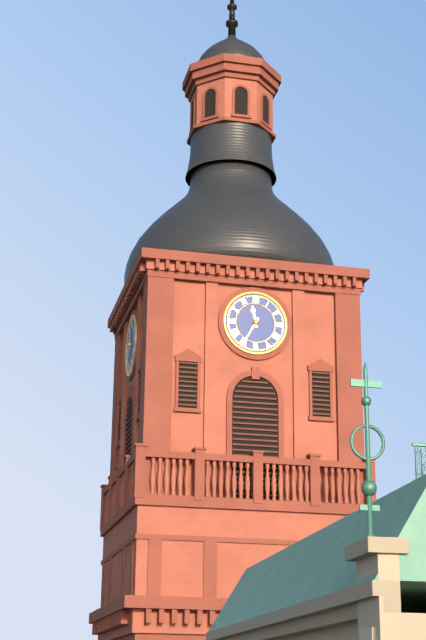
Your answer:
**11:35**
